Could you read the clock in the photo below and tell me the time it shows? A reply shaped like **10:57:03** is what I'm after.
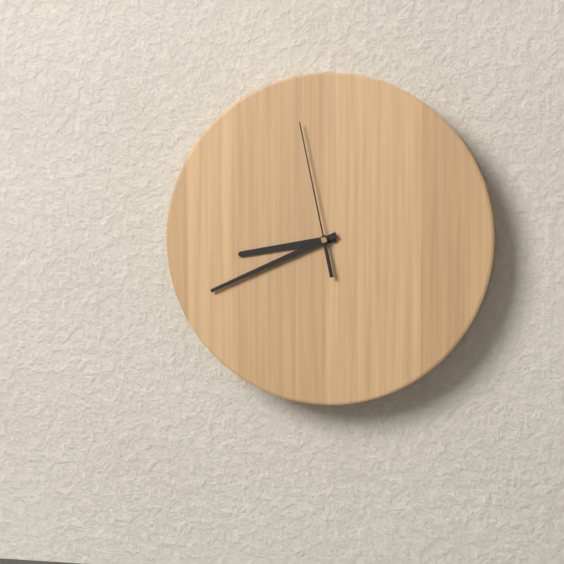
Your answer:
**8:41:58**
